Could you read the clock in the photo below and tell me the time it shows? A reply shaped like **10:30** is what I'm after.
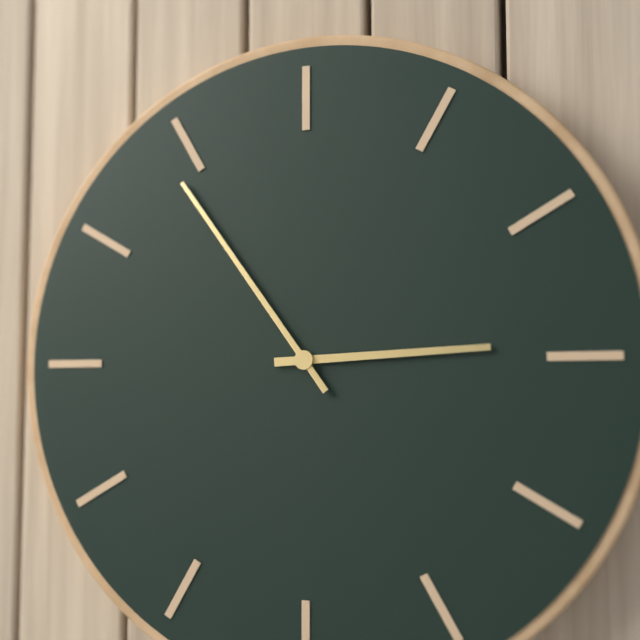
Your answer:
**2:54**
